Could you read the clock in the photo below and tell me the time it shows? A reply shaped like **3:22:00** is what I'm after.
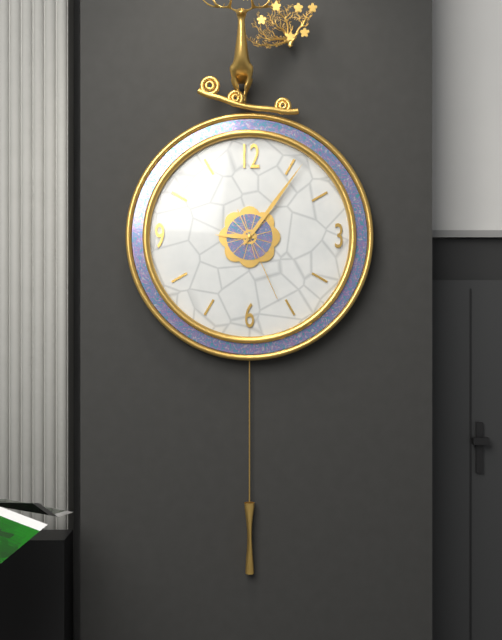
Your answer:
**9:06:26**
